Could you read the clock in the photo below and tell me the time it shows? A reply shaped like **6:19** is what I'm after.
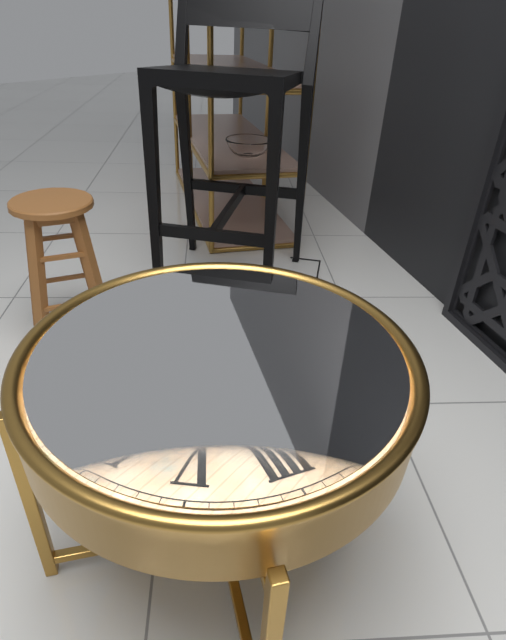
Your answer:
**11:02**
